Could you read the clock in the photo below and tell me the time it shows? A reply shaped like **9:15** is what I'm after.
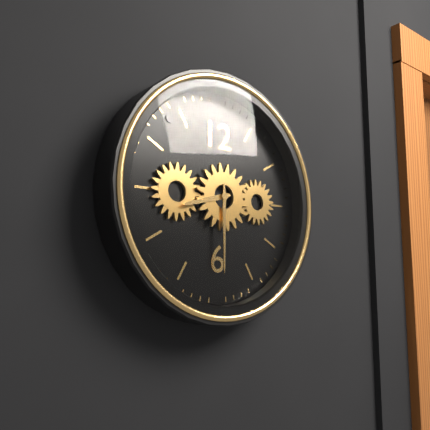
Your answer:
**8:30**
